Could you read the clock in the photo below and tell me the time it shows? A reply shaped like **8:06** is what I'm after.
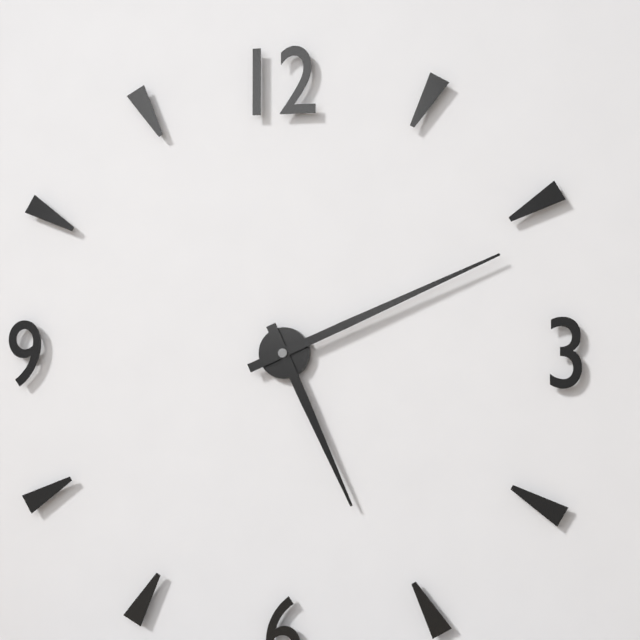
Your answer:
**5:11**
